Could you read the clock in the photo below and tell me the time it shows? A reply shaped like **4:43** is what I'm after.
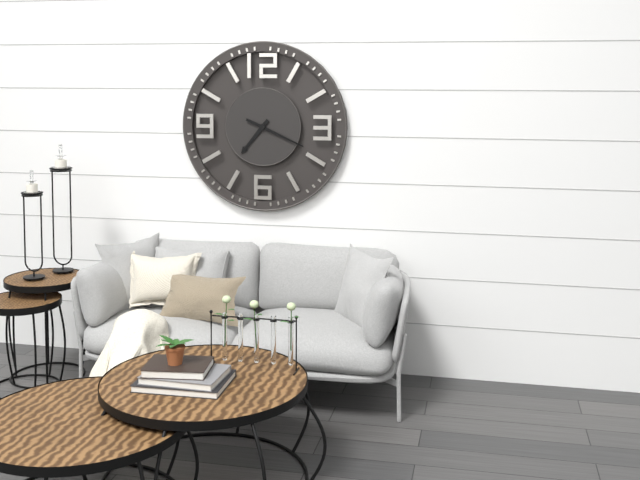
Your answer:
**7:19**
